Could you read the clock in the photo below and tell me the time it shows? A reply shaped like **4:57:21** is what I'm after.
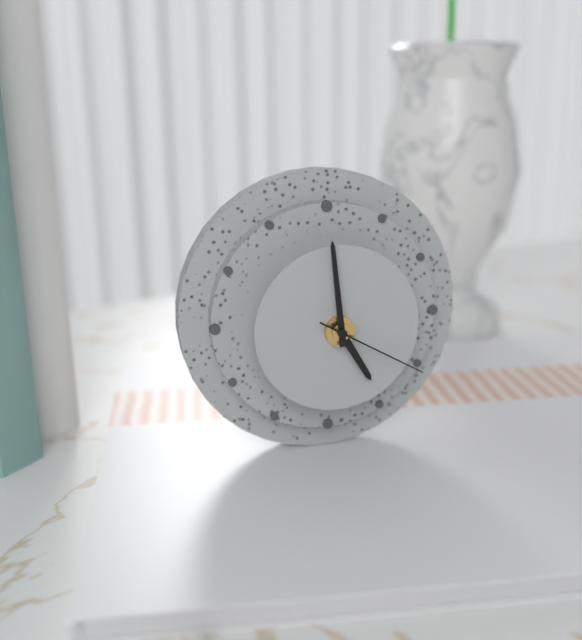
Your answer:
**4:59:20**
